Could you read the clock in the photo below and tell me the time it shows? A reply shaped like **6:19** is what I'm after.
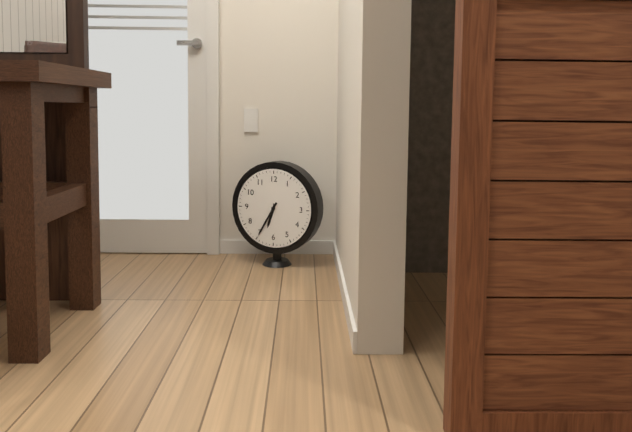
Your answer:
**6:35**
